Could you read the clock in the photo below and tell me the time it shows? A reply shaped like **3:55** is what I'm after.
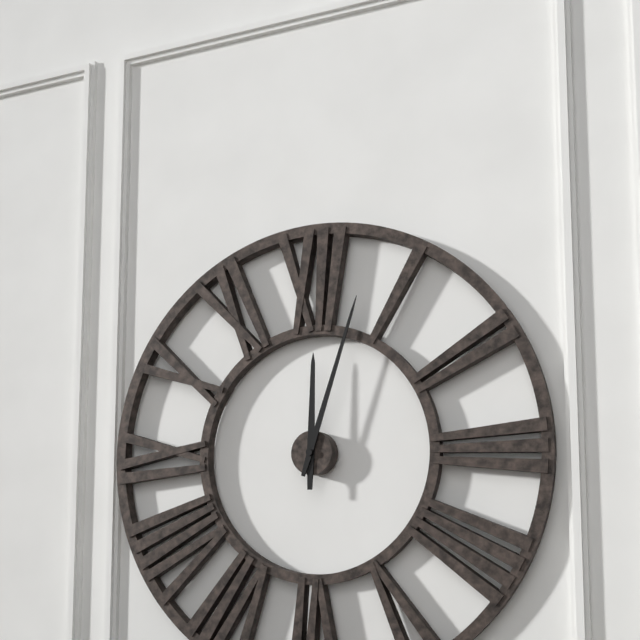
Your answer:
**12:03**
